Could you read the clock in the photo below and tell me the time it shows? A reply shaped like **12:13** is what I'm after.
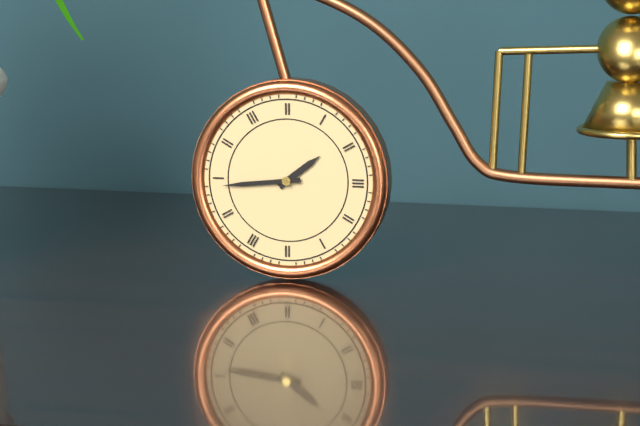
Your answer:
**1:44**
